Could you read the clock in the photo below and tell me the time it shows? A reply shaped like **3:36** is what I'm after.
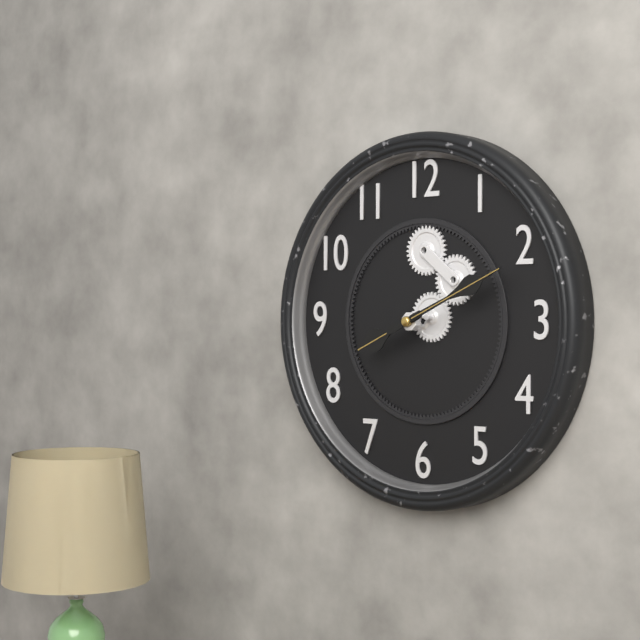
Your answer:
**8:11**
